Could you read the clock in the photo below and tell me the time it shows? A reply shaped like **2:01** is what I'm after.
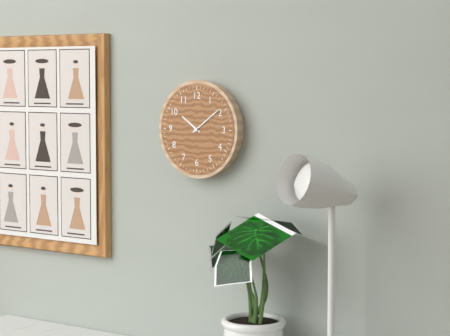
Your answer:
**10:09**
